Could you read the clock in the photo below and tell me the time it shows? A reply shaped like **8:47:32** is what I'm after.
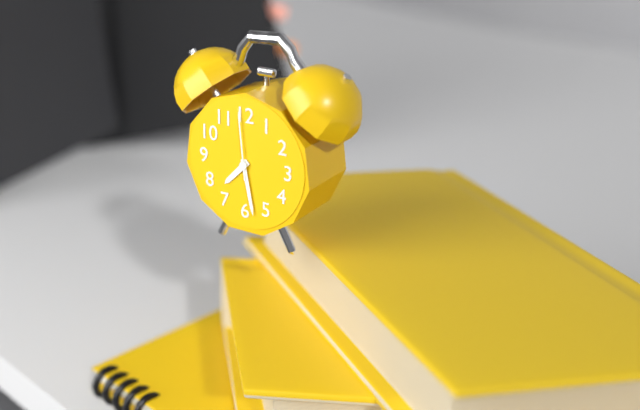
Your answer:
**7:28:59**
